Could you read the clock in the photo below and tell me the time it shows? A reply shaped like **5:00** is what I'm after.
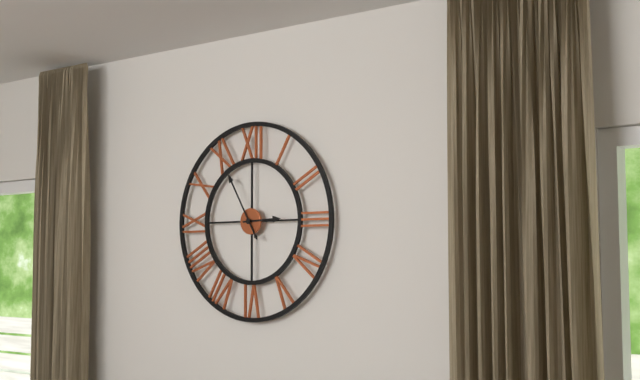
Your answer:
**2:55**
